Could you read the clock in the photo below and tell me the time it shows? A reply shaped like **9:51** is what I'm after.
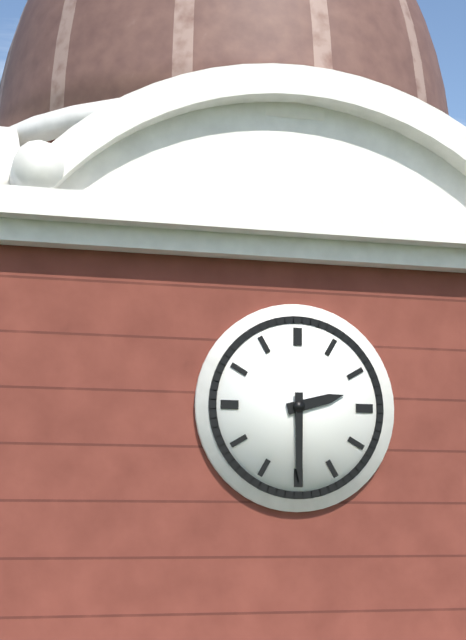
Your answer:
**2:30**
